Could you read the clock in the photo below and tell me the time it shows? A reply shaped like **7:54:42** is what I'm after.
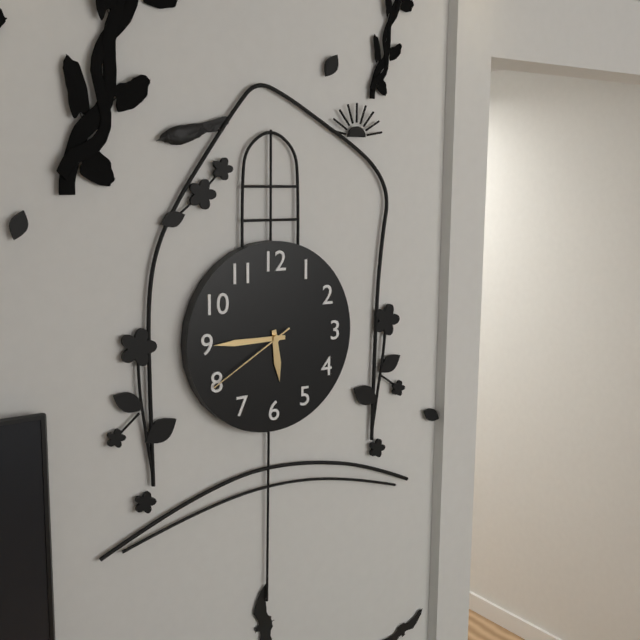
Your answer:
**5:45:40**
